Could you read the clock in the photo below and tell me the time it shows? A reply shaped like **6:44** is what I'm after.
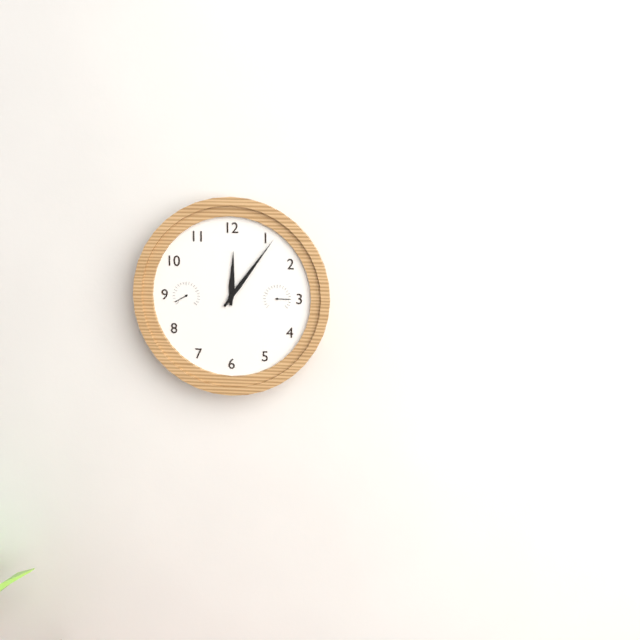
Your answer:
**12:06**
